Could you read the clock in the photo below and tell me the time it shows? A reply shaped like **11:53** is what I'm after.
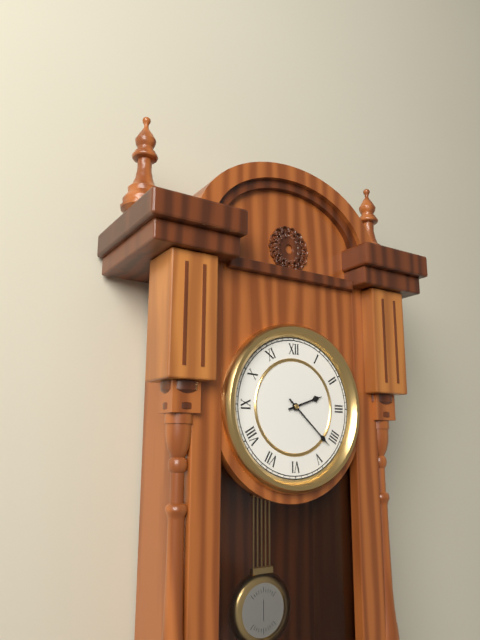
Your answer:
**2:22**
